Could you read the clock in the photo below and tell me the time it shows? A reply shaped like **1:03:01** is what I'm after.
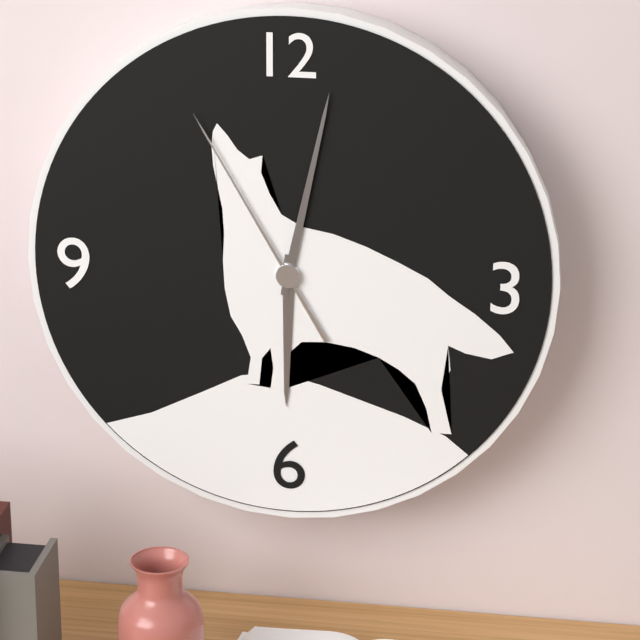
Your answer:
**6:02:55**
